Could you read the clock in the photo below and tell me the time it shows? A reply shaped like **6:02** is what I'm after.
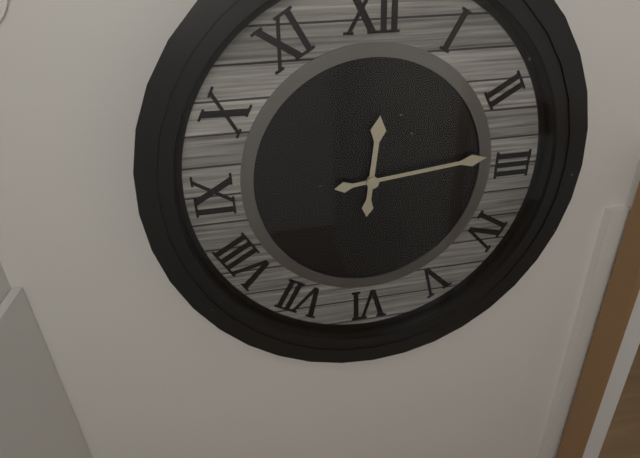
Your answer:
**12:14**
